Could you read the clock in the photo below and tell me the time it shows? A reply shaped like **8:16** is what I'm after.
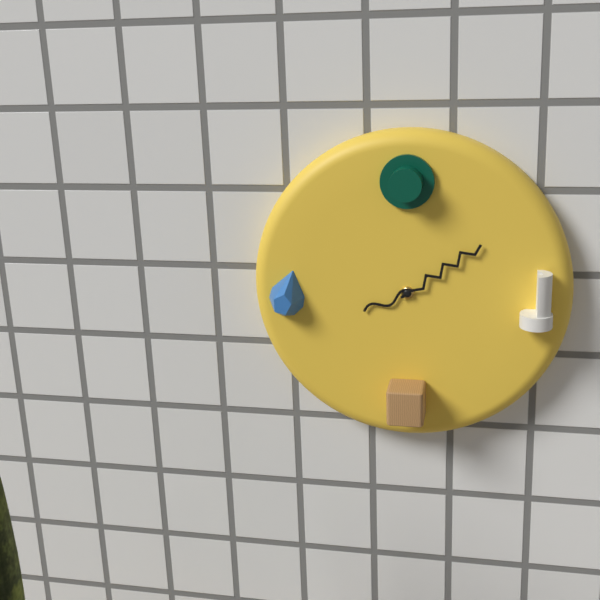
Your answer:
**8:09**
